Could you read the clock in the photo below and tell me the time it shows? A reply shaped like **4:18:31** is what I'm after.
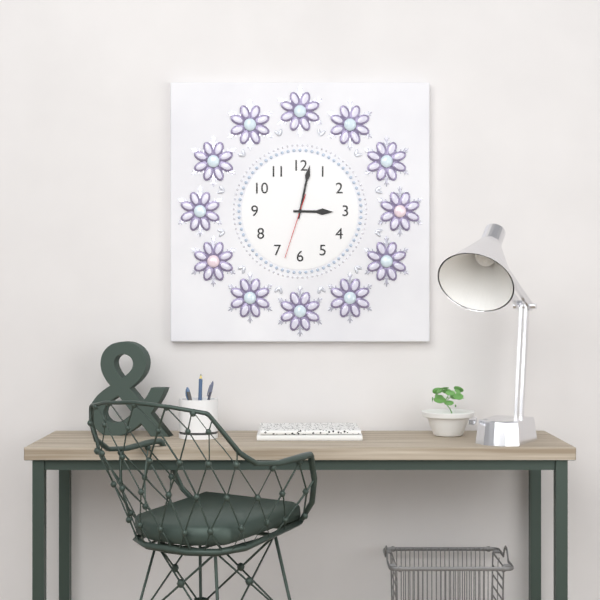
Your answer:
**3:02:33**
